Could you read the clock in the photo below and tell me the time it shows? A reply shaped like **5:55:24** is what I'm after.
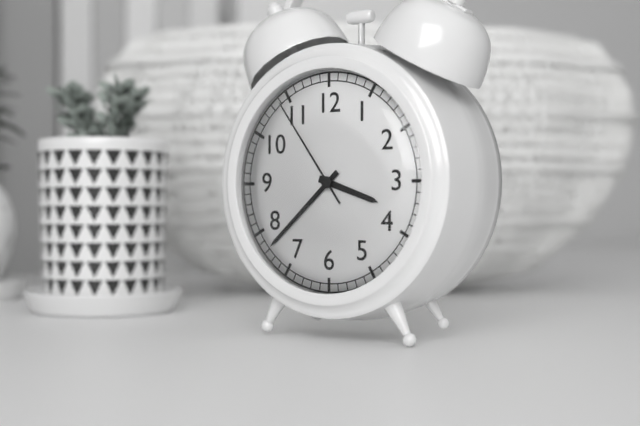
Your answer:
**3:38:54**
